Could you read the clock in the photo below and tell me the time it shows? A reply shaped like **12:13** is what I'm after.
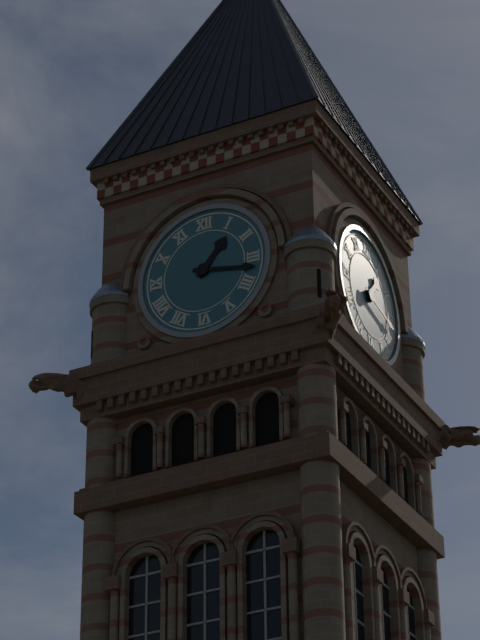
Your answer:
**1:17**
